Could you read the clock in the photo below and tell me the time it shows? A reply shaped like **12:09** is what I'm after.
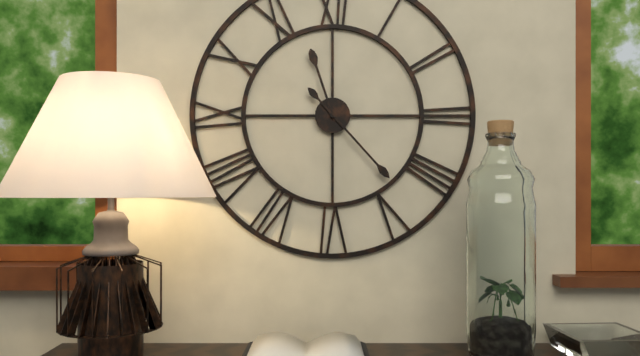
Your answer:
**11:23**
